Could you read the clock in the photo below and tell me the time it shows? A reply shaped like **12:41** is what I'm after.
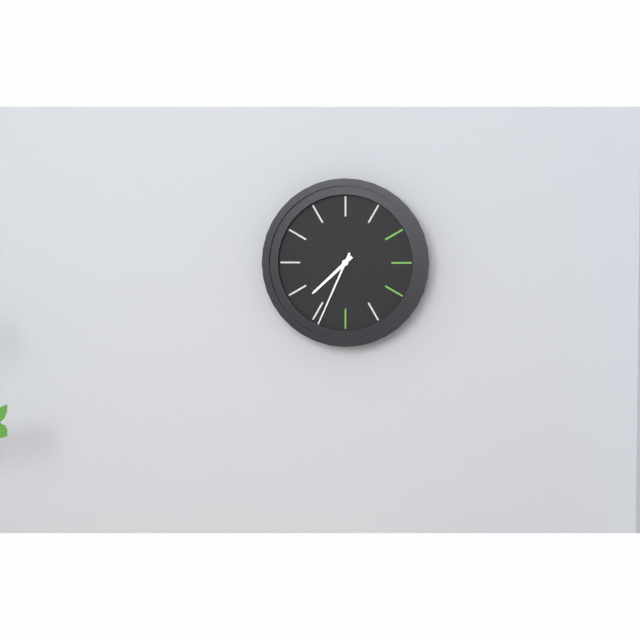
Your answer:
**7:34**
